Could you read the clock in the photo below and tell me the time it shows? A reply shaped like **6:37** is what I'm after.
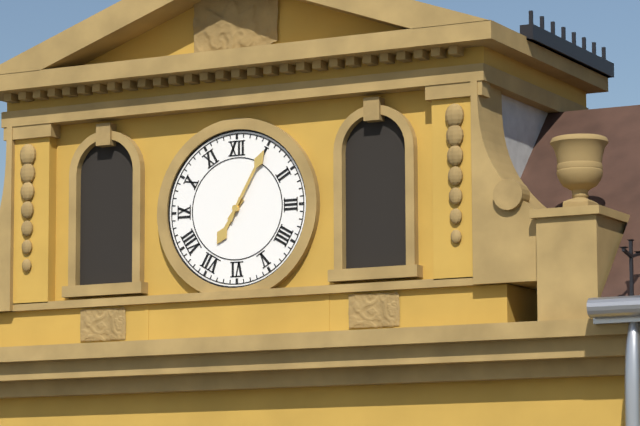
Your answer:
**7:05**
